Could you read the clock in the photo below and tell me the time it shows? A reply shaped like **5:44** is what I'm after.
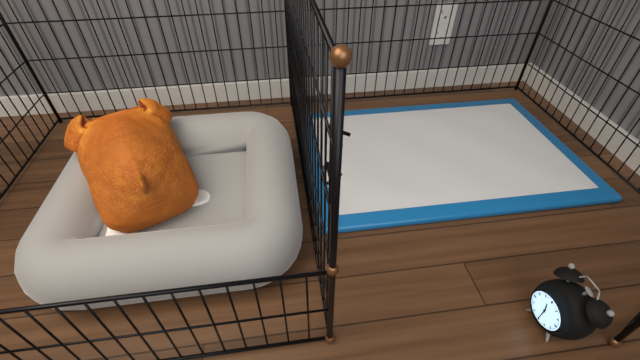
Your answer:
**11:30**
